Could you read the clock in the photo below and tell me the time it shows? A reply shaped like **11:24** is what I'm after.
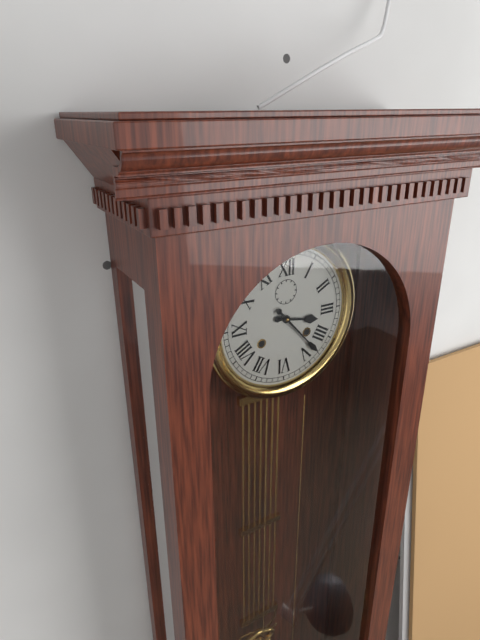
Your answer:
**3:23**
